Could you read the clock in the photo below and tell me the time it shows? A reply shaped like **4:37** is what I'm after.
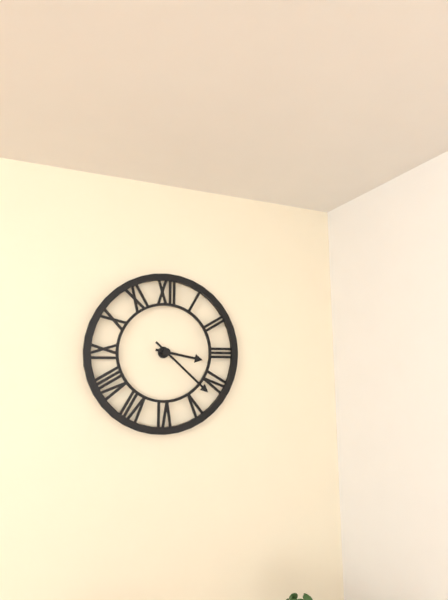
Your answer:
**3:22**
